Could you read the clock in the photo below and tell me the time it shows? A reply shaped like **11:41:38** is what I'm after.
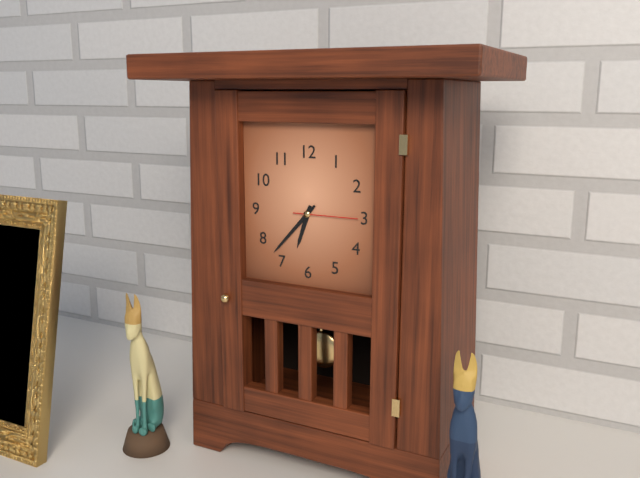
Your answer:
**6:37:15**
